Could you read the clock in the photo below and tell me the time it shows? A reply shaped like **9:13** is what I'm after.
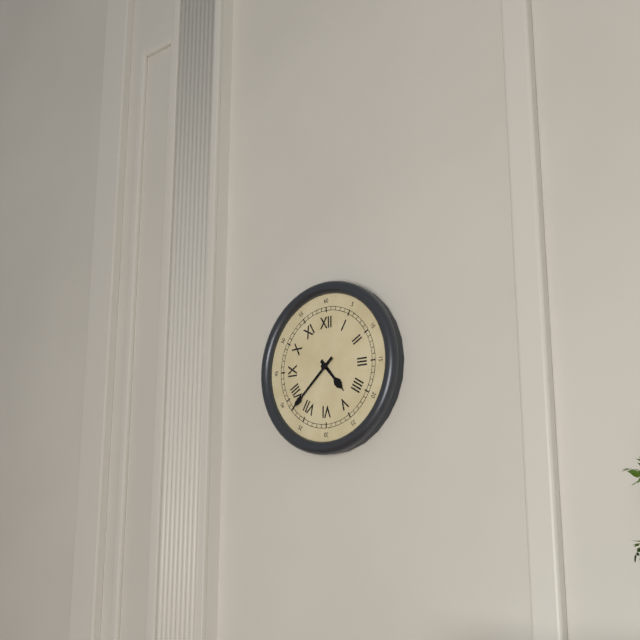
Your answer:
**4:38**
